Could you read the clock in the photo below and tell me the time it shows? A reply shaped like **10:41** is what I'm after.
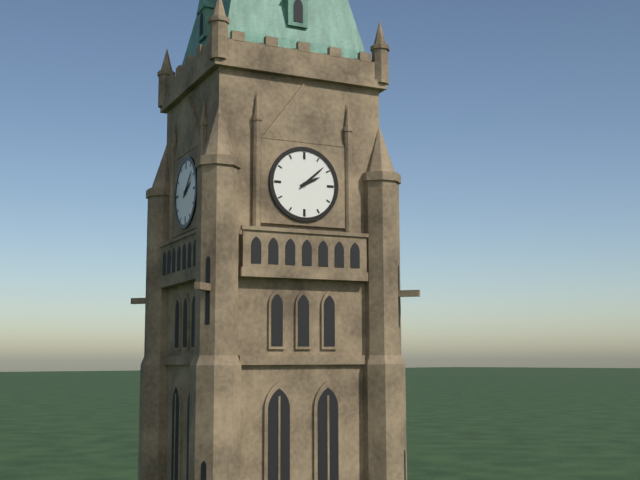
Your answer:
**2:08**
